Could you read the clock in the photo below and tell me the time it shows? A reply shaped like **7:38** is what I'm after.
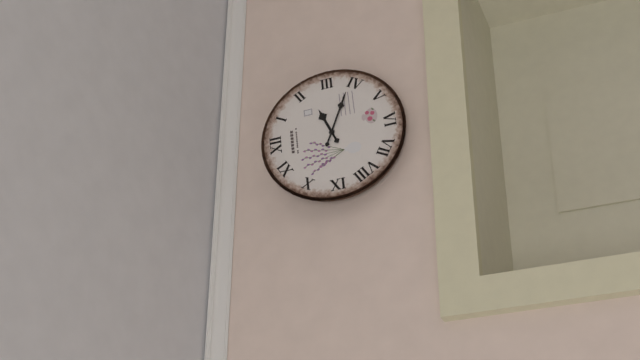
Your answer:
**2:19**
